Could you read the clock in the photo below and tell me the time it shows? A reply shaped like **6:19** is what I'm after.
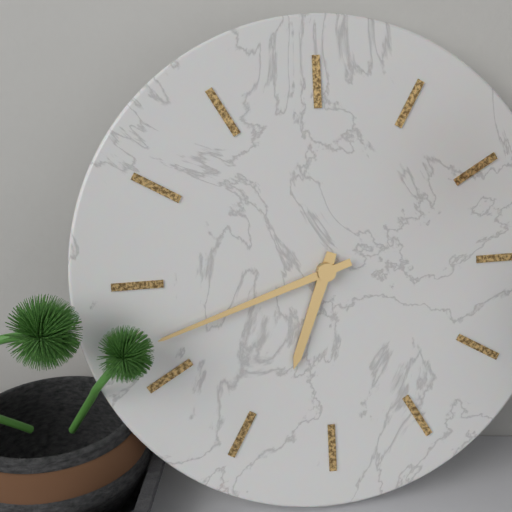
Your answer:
**6:42**
